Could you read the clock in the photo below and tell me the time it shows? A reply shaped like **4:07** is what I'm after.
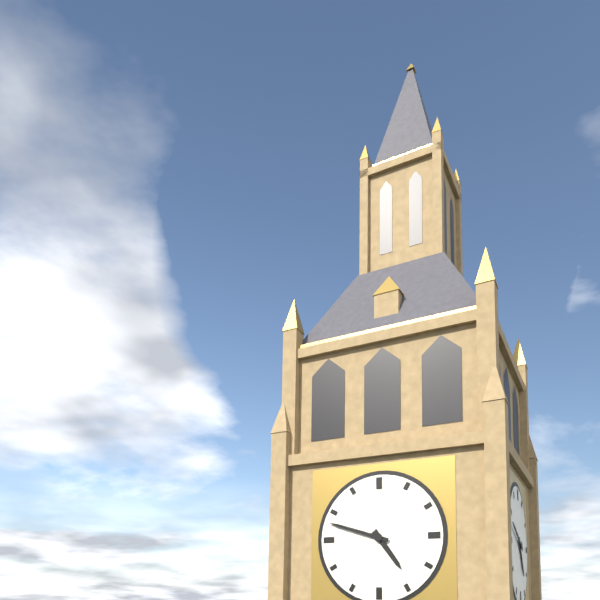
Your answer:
**4:48**
